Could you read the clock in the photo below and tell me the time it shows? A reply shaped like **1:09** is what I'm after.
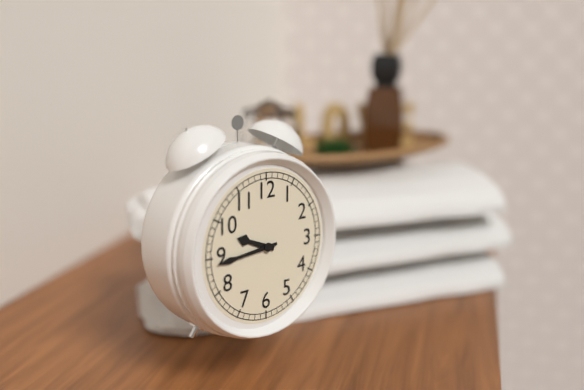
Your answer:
**9:44**
